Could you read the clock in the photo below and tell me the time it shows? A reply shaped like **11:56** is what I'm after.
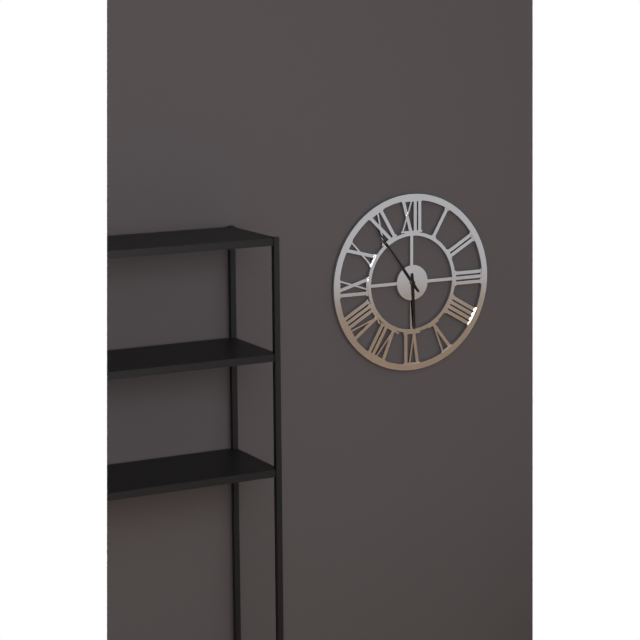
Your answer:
**5:54**
